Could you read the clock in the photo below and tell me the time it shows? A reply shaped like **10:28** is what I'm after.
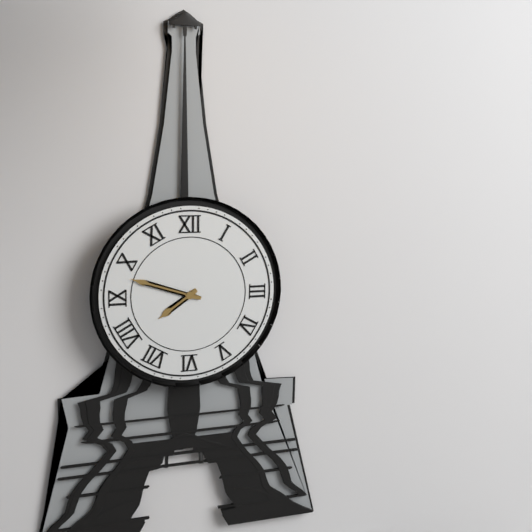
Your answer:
**7:48**
